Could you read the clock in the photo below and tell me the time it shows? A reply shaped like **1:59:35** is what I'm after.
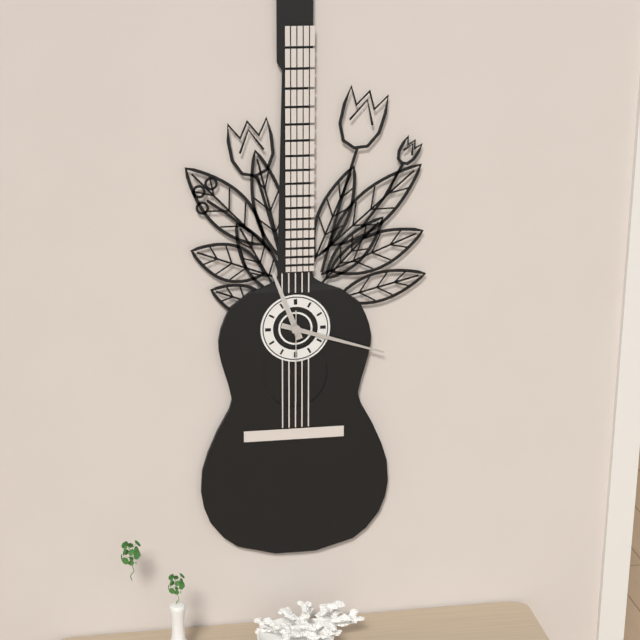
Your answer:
**11:18:30**
